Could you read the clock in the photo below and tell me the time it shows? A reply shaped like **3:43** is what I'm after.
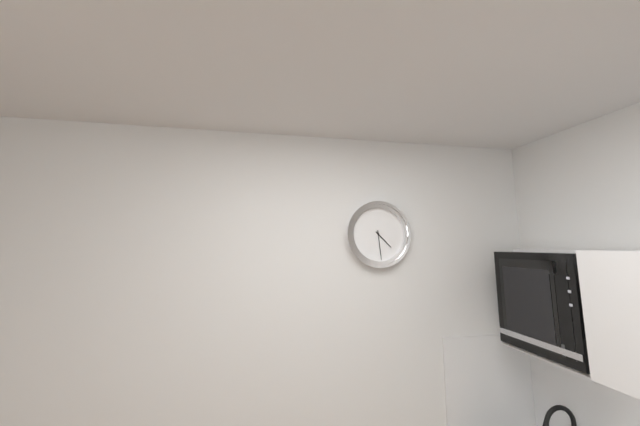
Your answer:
**4:29**
